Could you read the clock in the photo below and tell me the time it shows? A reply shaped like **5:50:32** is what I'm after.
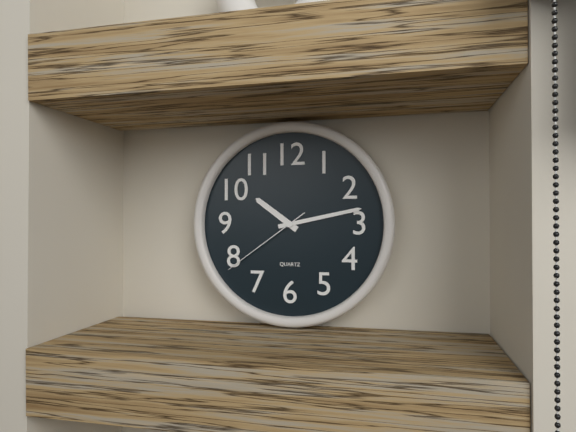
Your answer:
**10:13:39**
